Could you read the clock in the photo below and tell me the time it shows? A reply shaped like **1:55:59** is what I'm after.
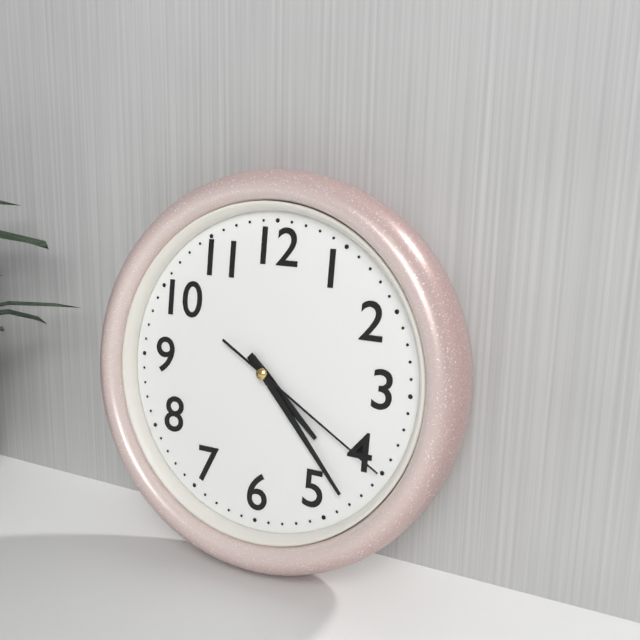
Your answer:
**4:23:20**
